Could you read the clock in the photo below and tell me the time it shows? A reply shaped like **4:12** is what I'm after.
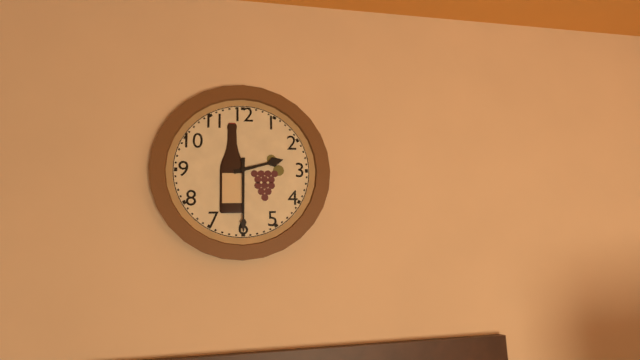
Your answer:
**2:30**
